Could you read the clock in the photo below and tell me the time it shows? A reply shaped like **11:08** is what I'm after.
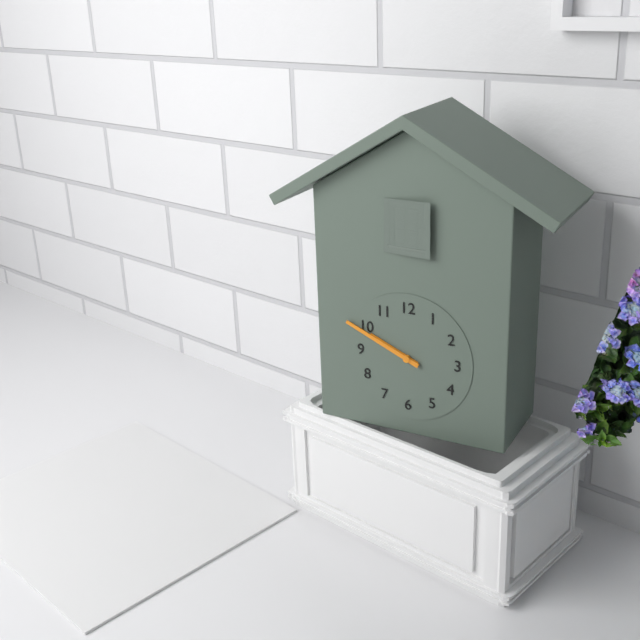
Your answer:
**9:49**
